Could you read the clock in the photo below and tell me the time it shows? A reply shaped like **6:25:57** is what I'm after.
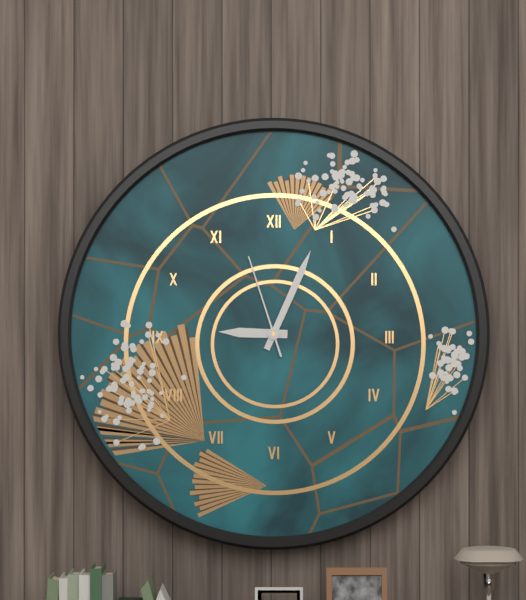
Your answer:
**9:04:57**
